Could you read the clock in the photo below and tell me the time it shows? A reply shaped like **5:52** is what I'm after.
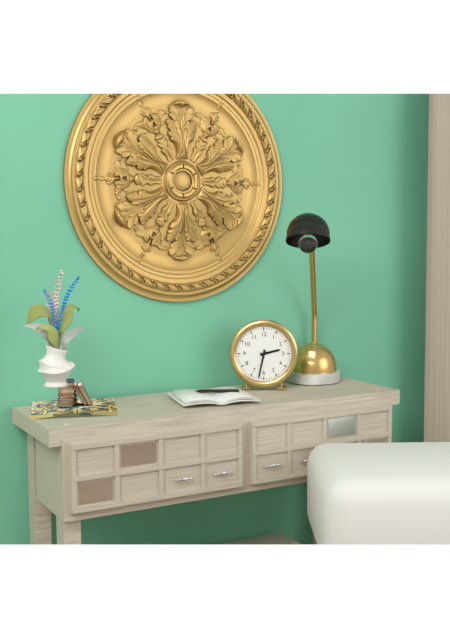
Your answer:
**2:32**
